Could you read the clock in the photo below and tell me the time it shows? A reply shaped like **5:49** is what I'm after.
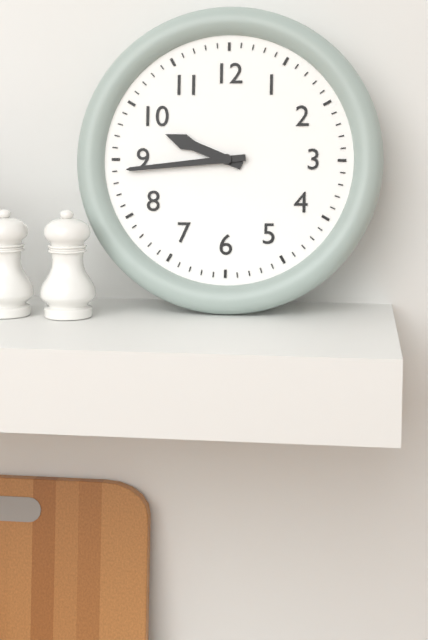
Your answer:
**9:44**
